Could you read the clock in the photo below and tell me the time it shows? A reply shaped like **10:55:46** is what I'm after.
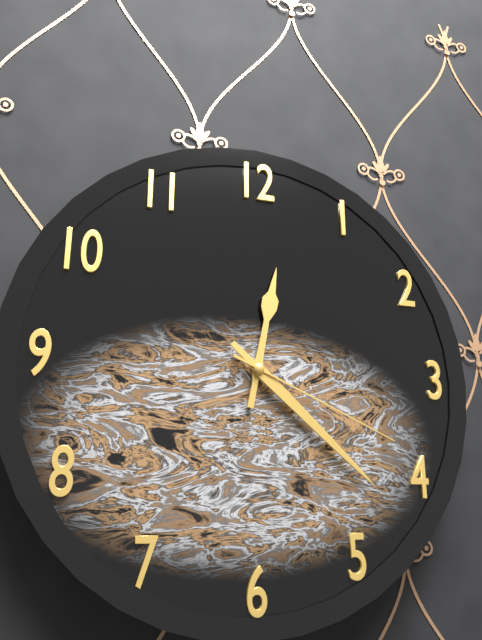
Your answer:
**12:22:19**
